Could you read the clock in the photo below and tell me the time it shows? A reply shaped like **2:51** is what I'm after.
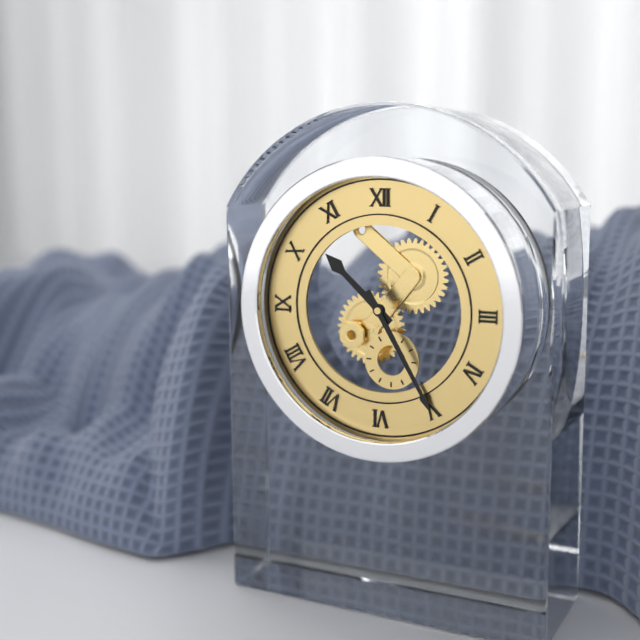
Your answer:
**10:25**
